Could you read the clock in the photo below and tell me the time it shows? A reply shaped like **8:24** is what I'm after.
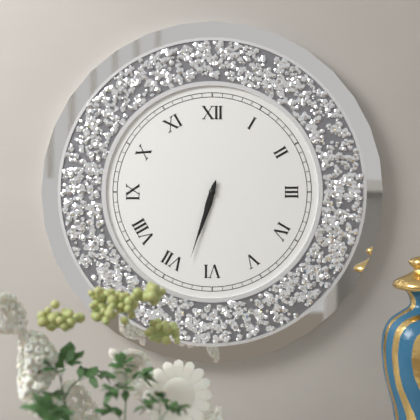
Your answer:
**6:33**
